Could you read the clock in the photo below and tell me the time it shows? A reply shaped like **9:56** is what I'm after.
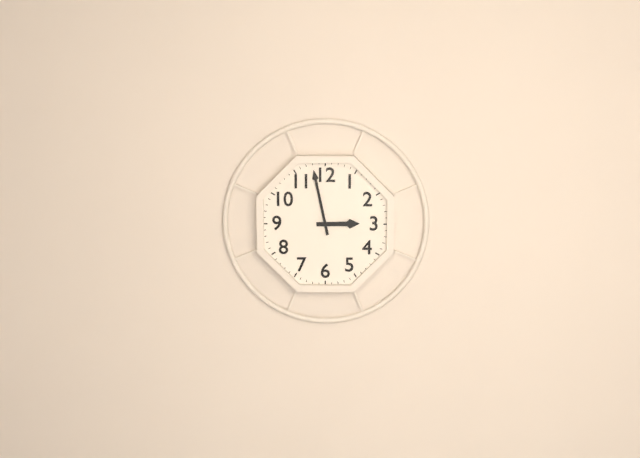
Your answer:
**2:58**
